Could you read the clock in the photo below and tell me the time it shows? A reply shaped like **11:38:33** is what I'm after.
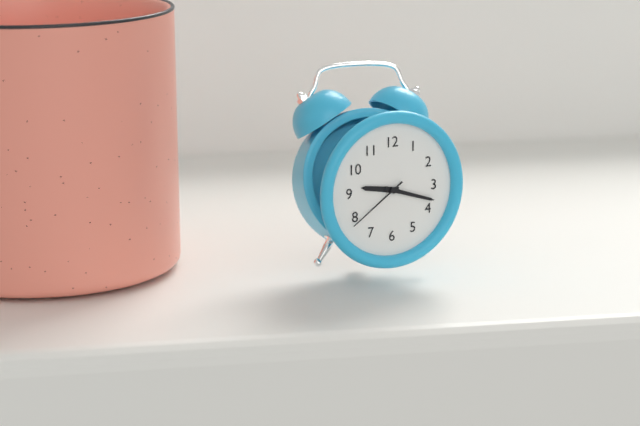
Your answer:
**9:18:39**
